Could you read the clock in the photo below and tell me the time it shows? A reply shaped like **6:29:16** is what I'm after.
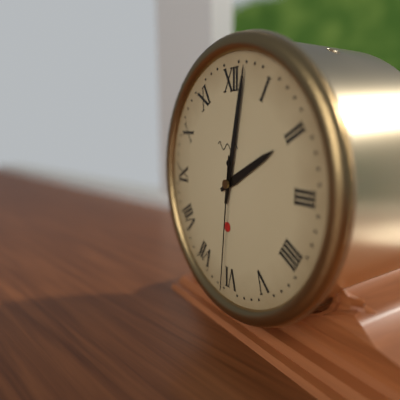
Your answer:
**2:02:31**
